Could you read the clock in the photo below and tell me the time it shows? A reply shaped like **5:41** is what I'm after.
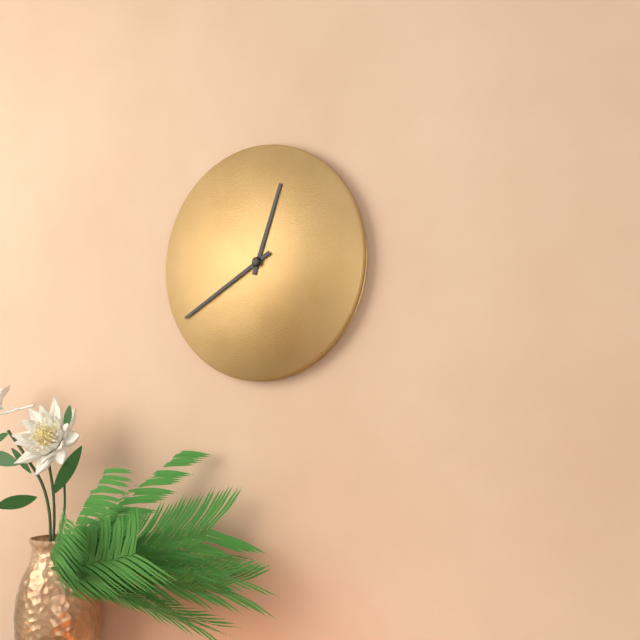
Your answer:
**12:40**
